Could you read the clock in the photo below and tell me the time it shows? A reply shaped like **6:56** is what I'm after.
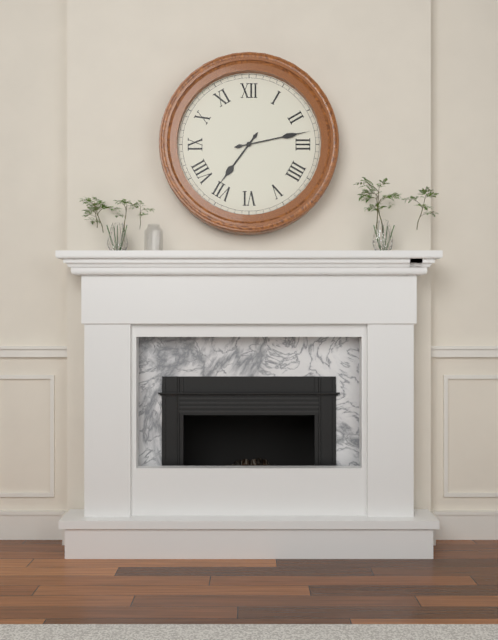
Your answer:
**7:13**
